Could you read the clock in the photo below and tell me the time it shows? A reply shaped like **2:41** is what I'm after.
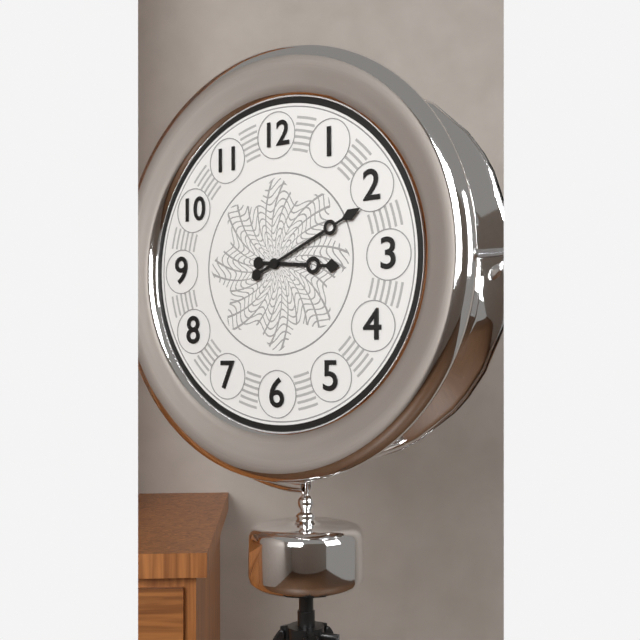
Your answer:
**3:11**
